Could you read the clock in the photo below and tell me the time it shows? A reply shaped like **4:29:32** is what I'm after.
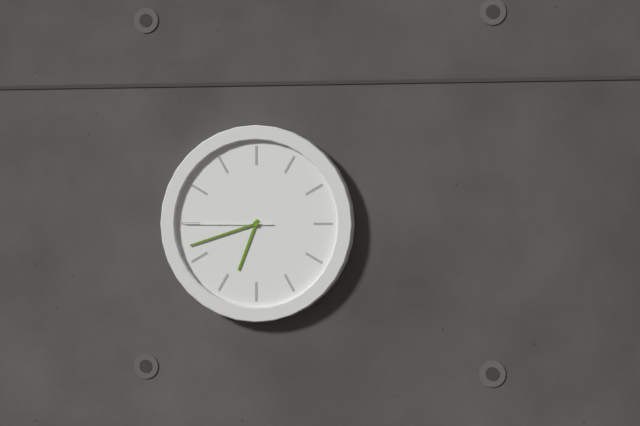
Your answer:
**6:42:45**
